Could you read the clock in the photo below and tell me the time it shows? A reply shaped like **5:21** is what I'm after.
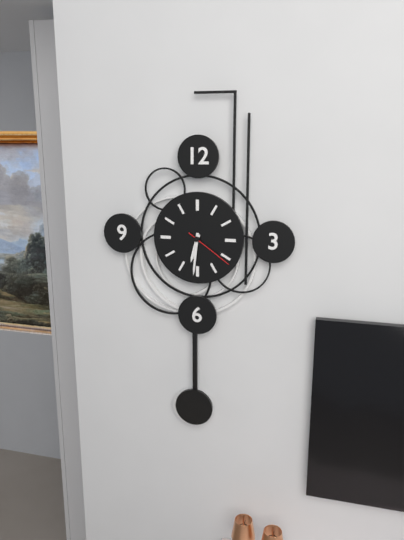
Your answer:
**6:31**
